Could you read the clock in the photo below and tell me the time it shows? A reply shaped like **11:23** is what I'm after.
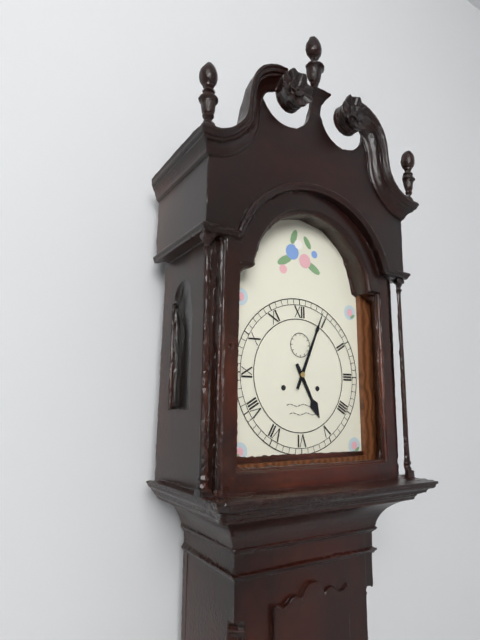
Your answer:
**5:04**
